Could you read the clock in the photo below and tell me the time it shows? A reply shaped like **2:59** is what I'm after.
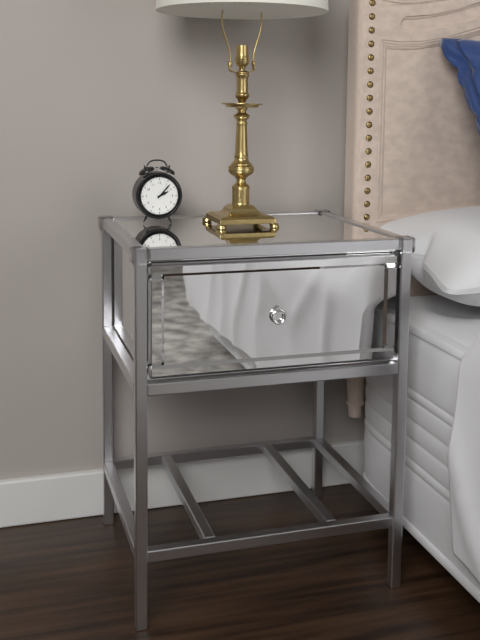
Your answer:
**2:07**
